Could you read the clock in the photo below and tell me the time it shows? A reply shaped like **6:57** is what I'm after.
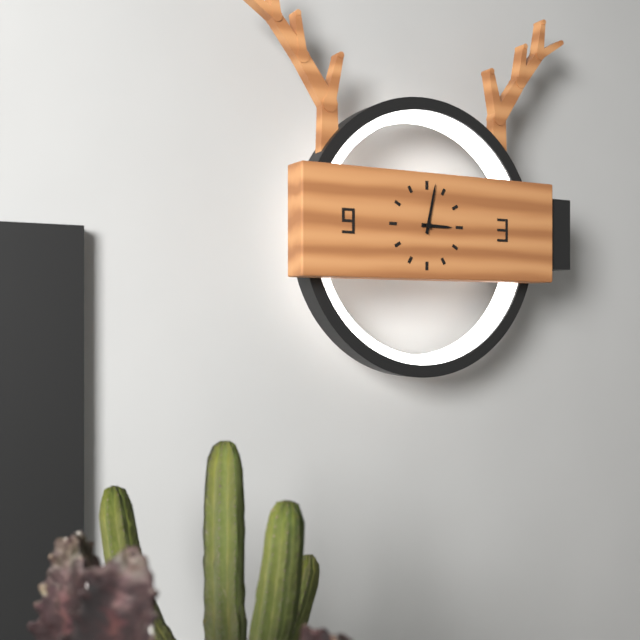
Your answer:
**3:02**
